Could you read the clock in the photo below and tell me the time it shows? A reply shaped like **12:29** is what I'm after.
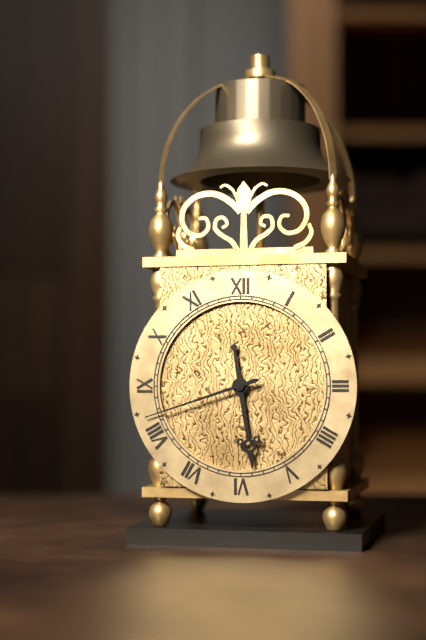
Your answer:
**5:42**
